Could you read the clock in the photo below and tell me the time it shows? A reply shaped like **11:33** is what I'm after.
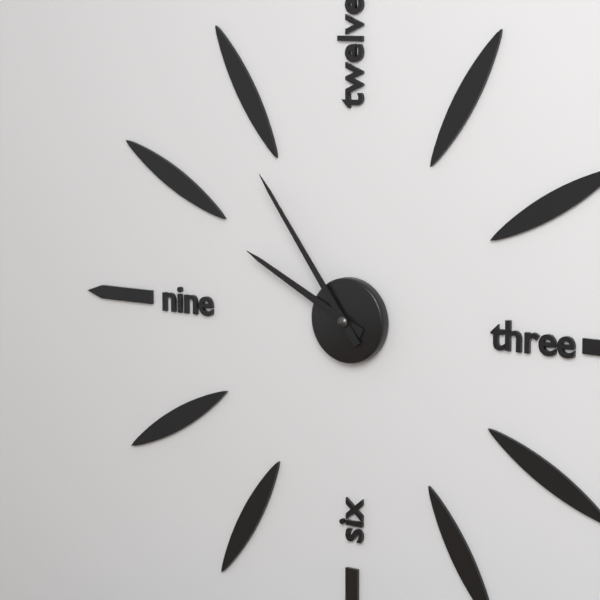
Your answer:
**9:54**
